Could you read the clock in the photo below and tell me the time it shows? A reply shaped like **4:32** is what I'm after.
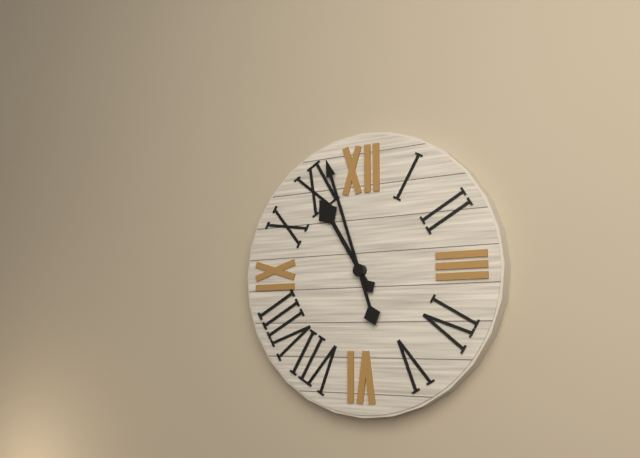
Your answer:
**10:57**
